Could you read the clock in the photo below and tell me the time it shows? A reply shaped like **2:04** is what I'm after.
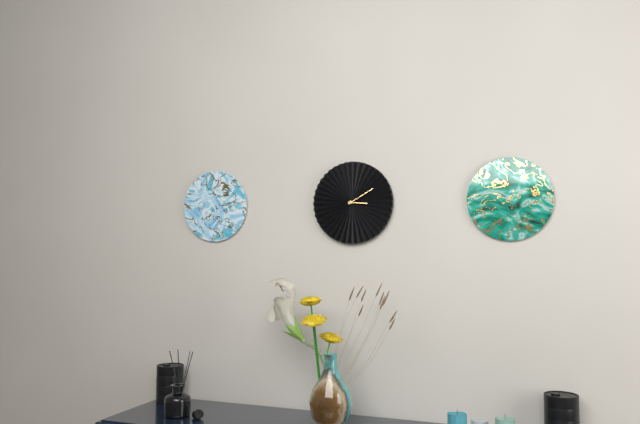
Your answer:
**3:10**
